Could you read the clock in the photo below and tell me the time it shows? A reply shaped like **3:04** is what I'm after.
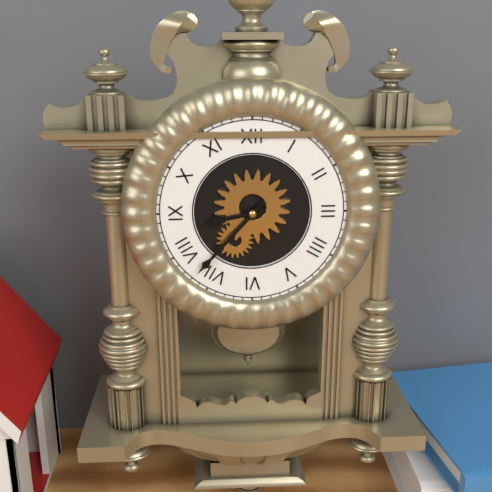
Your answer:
**8:37**
